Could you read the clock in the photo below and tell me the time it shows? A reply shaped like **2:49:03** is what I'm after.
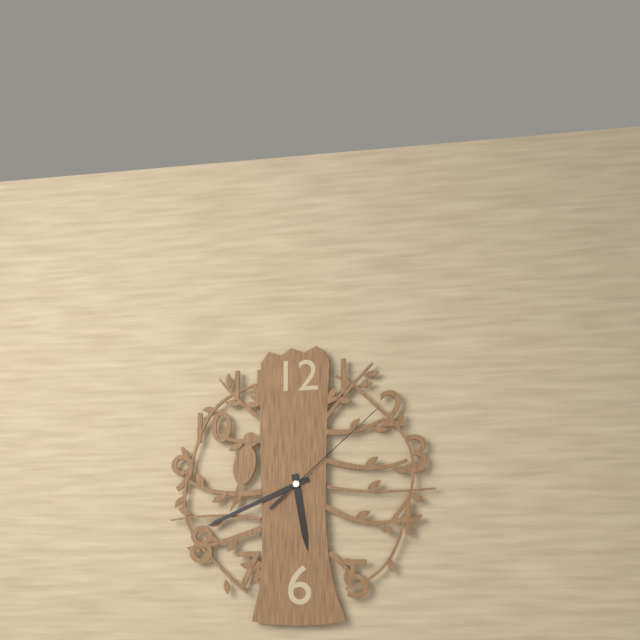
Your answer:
**5:41:08**
